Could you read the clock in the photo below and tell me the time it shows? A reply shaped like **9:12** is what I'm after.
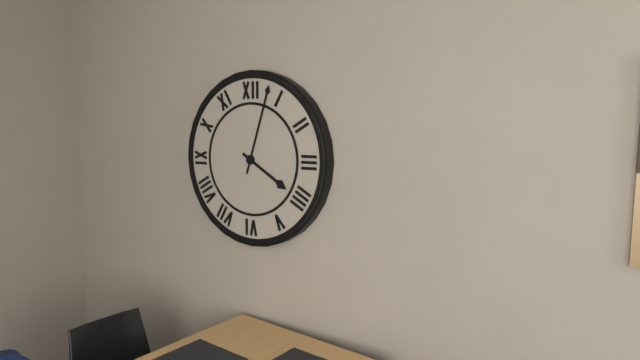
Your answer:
**4:03**
